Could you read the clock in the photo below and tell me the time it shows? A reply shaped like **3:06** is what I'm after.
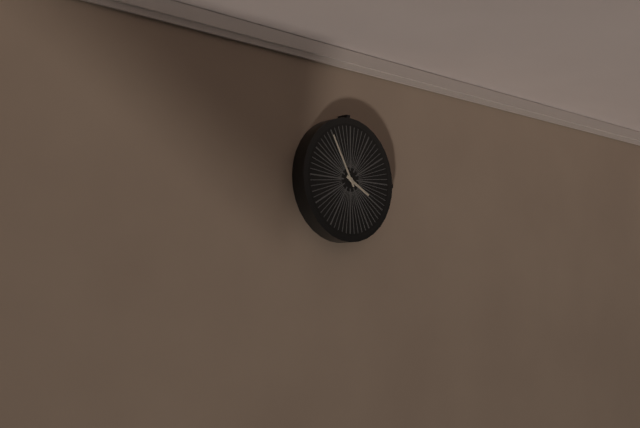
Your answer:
**3:55**
